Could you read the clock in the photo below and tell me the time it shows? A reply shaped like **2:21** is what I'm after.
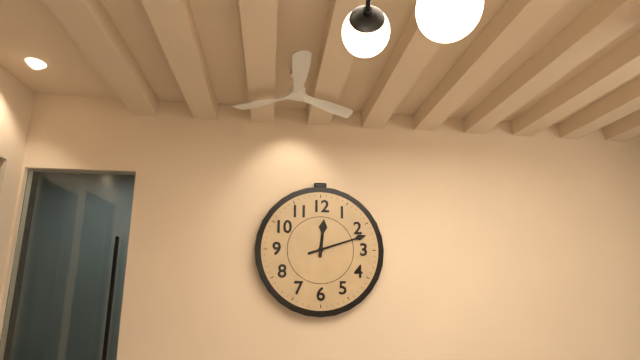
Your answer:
**12:12**
